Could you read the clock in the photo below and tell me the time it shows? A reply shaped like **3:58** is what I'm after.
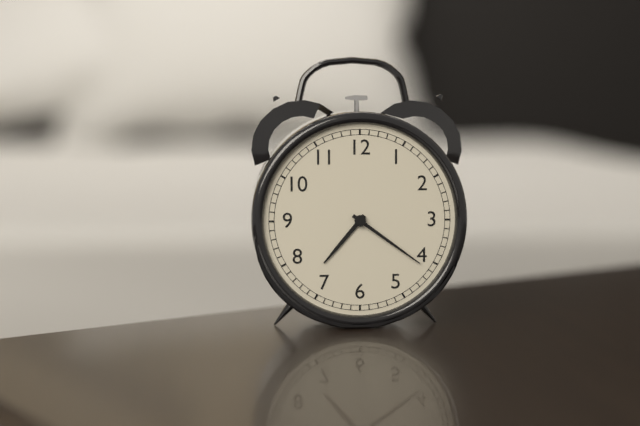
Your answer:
**7:21**
